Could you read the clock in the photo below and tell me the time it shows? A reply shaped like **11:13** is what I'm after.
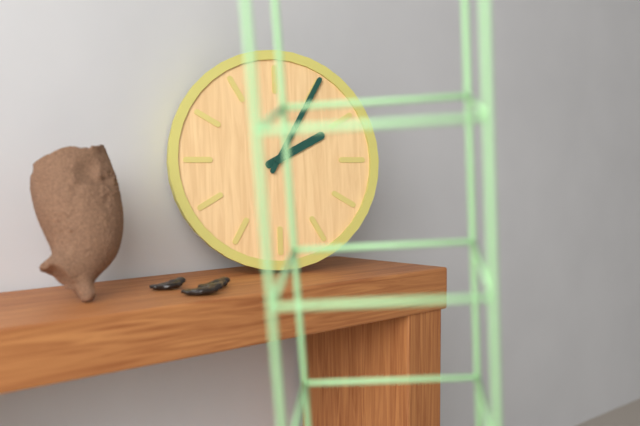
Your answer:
**2:05**
